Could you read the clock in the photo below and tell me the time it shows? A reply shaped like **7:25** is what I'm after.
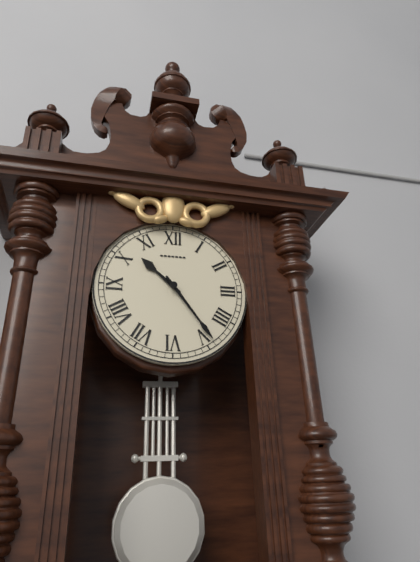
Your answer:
**10:24**
